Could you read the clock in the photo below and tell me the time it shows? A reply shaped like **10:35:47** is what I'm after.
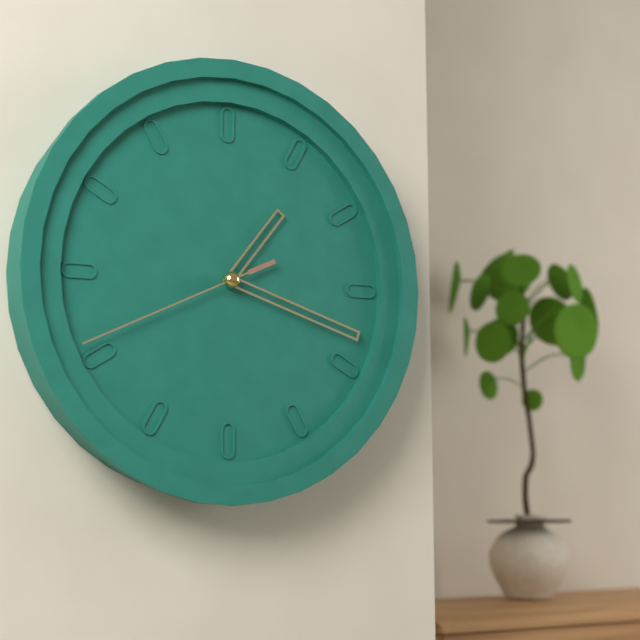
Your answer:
**1:18:41**
